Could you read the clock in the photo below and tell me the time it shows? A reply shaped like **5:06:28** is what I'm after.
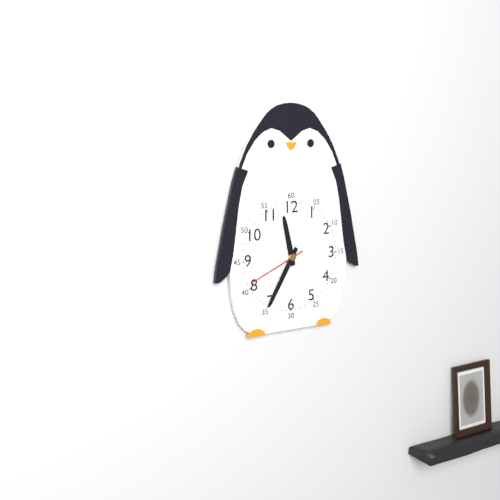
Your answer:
**11:35:41**
